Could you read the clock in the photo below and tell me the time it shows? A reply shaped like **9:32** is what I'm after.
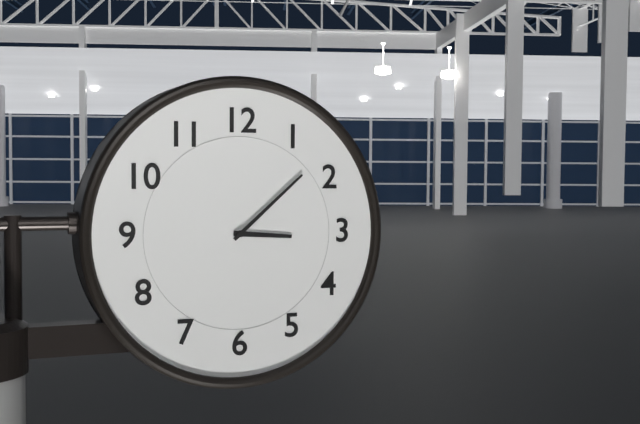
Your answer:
**3:08**
